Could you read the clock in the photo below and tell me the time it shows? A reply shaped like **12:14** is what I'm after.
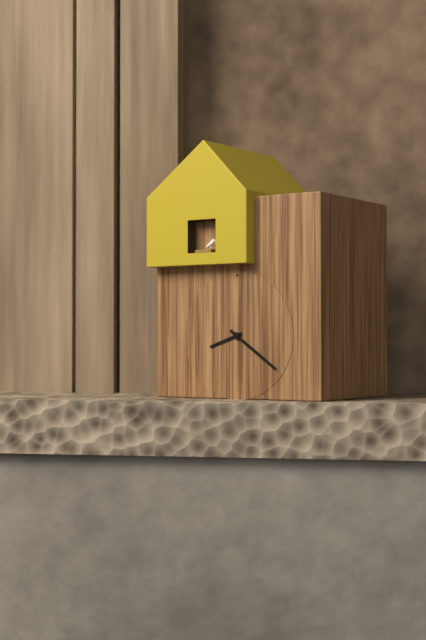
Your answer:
**8:21**
